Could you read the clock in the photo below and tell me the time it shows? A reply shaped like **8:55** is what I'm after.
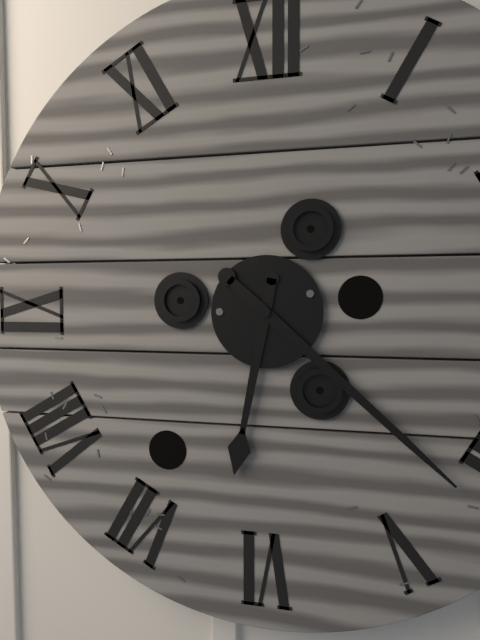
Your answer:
**6:22**
